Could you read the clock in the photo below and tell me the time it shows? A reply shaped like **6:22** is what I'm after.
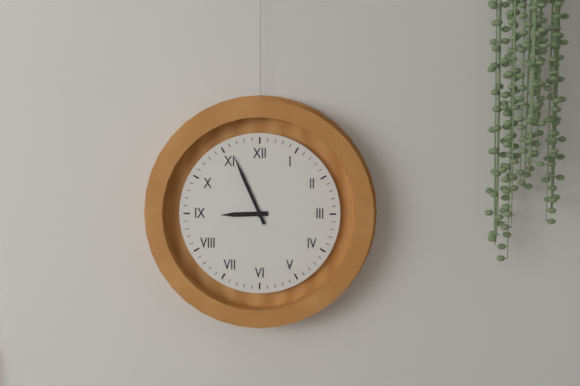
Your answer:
**8:56**
